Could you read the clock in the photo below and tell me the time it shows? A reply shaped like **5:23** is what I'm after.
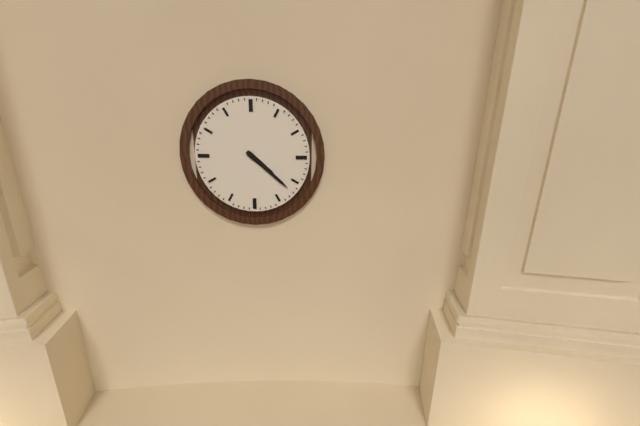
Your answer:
**4:22**
